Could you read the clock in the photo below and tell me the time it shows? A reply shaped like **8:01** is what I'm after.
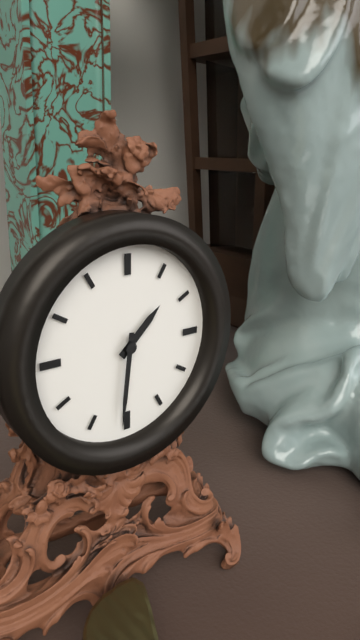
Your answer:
**1:31**
